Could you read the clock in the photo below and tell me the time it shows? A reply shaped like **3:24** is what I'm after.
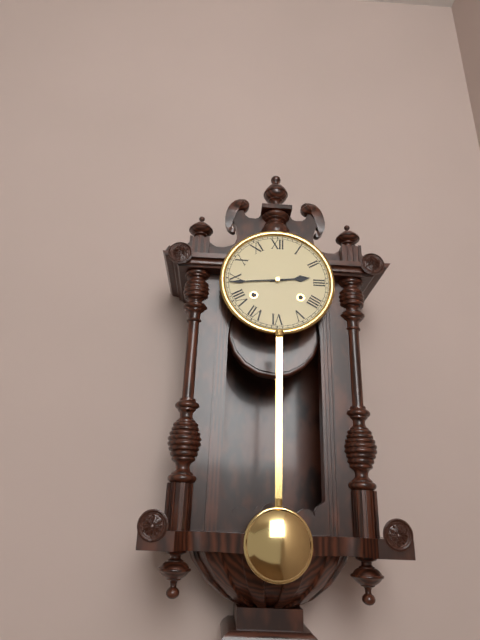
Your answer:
**2:44**
